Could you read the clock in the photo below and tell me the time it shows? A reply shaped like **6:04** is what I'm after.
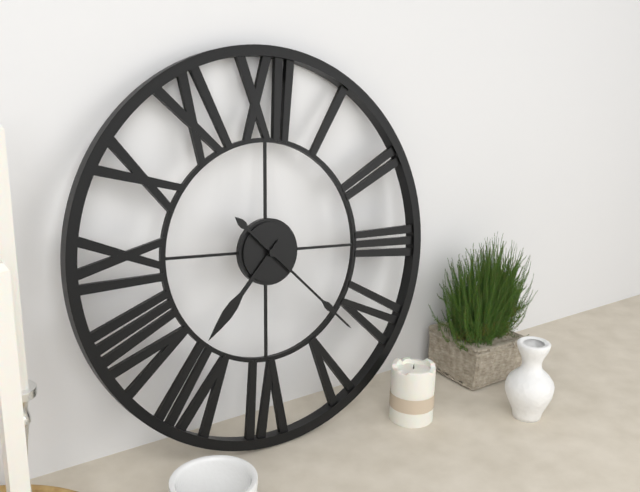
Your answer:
**7:22**
